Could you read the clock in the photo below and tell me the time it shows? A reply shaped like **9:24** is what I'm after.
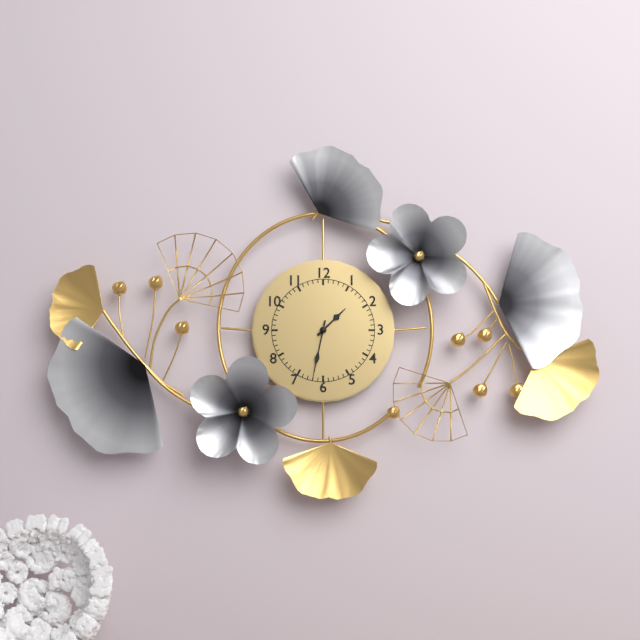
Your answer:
**1:32**
